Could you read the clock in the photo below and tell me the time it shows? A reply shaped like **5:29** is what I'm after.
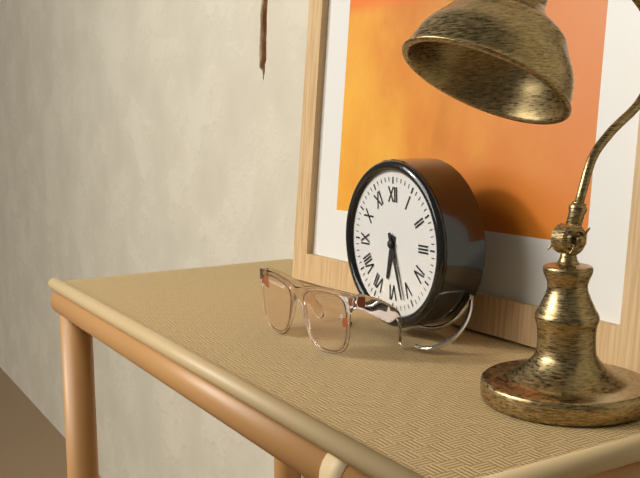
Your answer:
**6:27**
